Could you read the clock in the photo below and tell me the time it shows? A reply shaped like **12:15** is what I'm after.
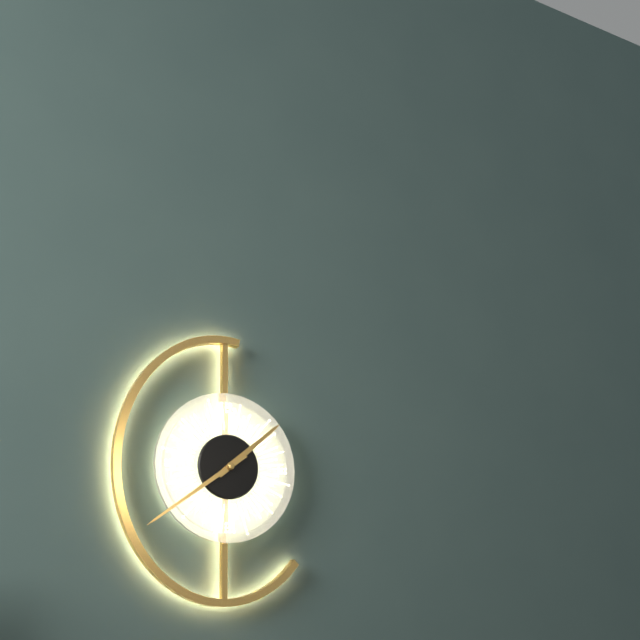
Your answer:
**1:39**
